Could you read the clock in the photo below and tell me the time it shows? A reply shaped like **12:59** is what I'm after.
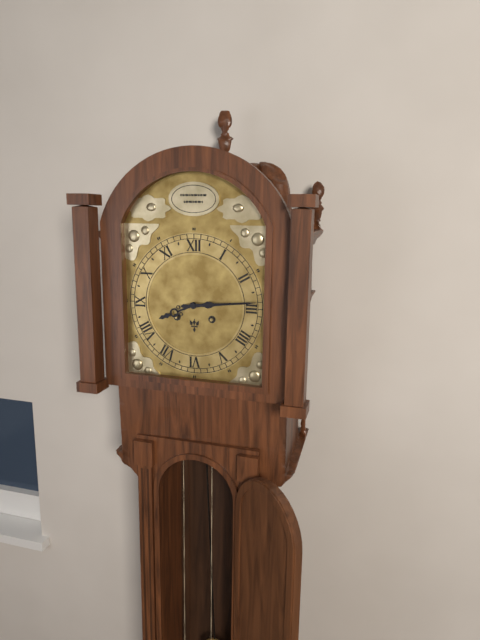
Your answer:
**8:14**
